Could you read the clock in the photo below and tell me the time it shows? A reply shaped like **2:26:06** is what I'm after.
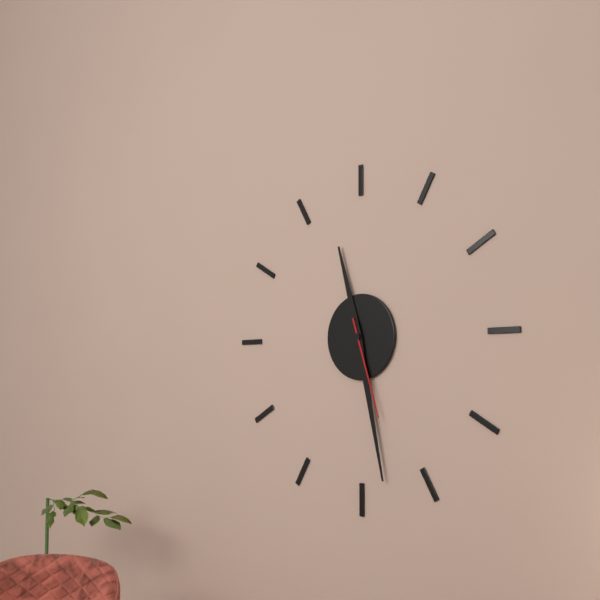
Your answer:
**11:28:27**
